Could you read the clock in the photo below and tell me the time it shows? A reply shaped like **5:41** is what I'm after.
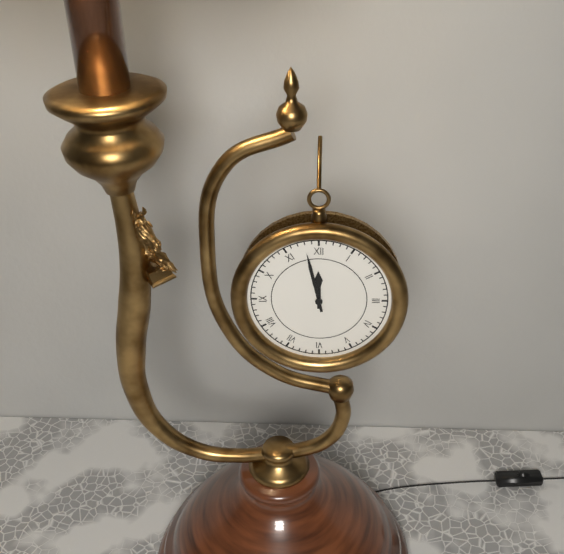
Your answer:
**11:58**
